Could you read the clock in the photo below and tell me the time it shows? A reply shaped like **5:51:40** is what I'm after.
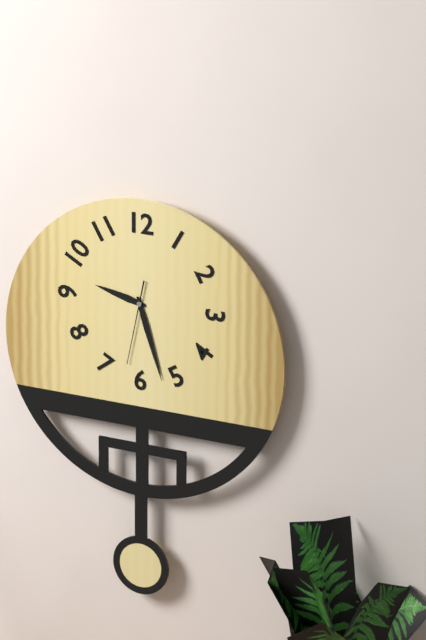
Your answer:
**9:27:32**
